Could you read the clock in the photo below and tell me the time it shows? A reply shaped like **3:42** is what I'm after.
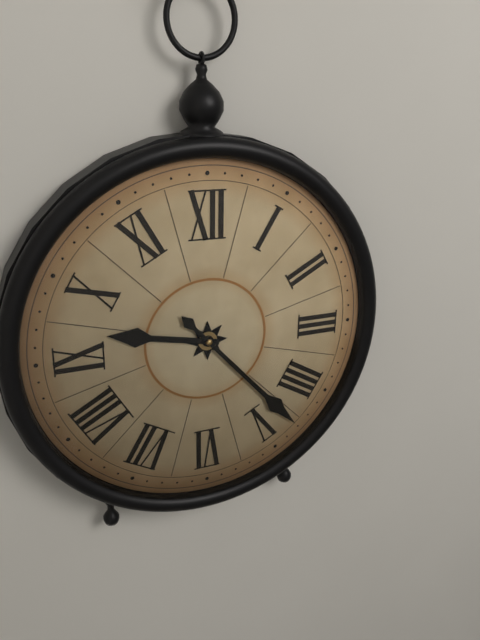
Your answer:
**9:23**
